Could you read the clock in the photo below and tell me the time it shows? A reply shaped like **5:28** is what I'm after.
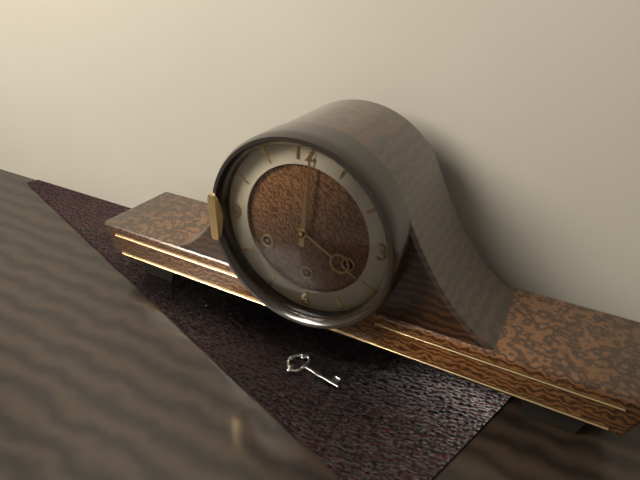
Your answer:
**4:01**
